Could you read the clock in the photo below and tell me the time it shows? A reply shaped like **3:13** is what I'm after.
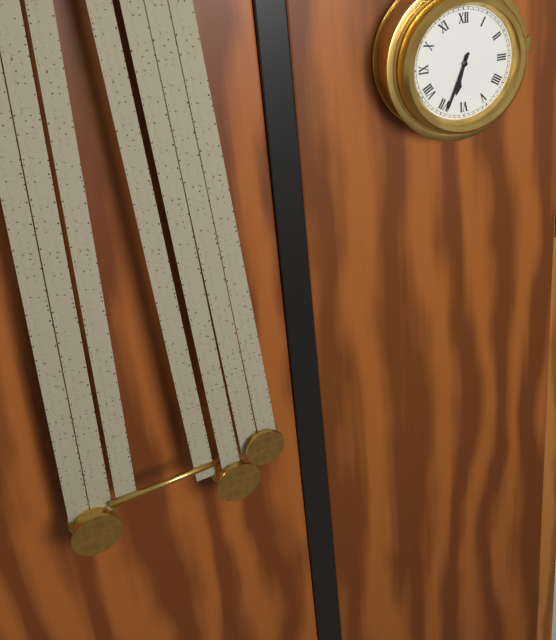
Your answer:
**6:34**
